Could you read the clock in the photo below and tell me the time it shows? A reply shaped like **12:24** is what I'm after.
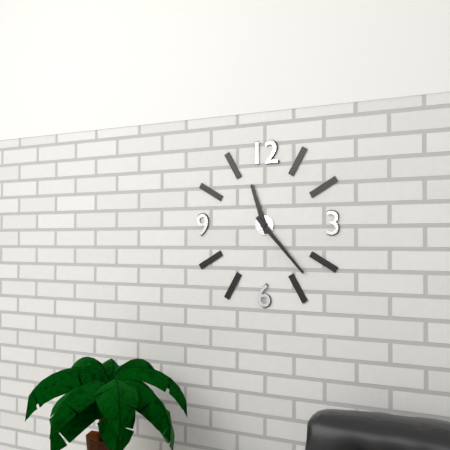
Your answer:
**11:23**
